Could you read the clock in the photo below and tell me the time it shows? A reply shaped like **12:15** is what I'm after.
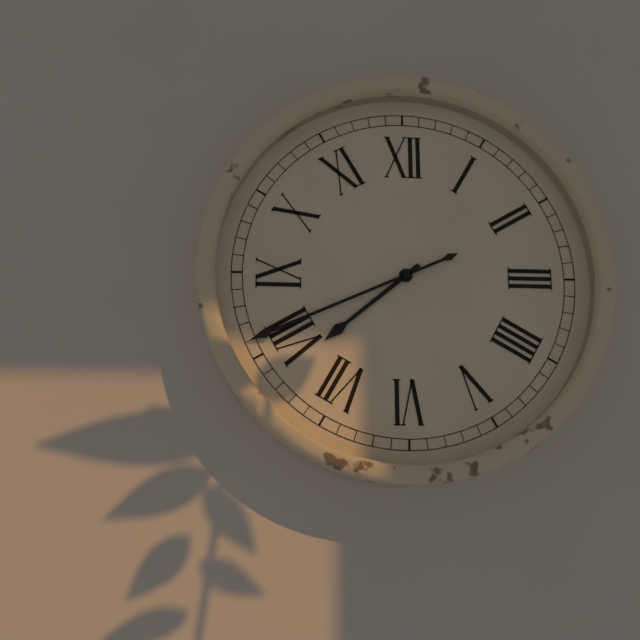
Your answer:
**7:41**
